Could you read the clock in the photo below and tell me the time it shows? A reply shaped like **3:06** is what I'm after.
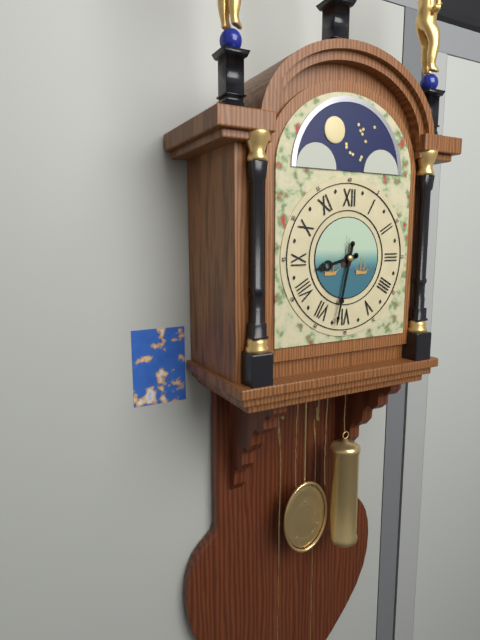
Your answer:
**8:32**
